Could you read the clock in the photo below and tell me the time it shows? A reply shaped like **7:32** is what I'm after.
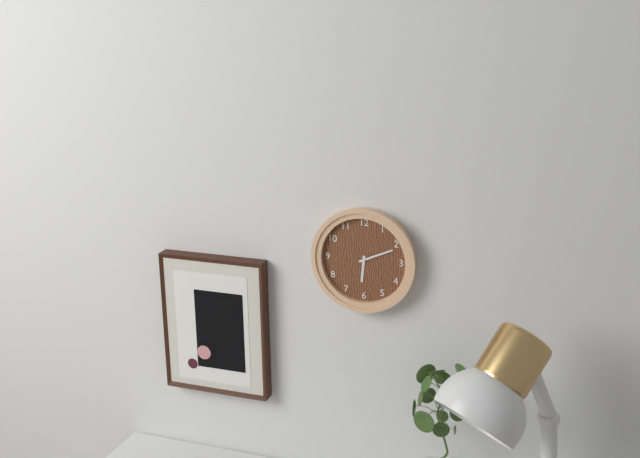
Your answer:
**6:11**
